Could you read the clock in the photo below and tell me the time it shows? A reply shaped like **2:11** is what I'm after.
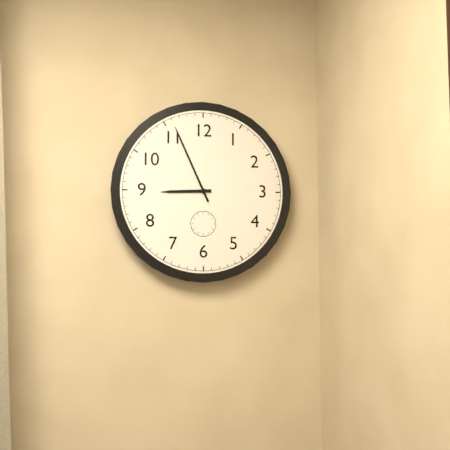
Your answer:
**8:56**
